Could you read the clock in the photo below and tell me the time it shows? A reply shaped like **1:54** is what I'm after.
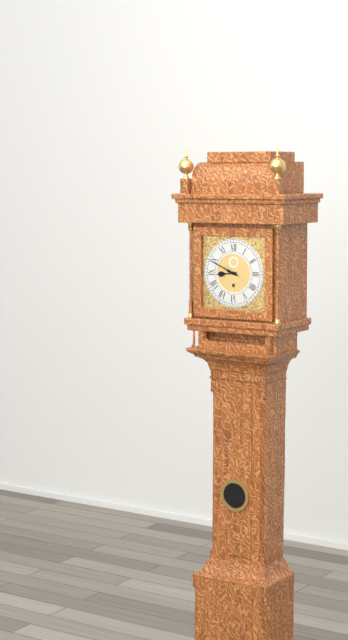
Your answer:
**8:49**
